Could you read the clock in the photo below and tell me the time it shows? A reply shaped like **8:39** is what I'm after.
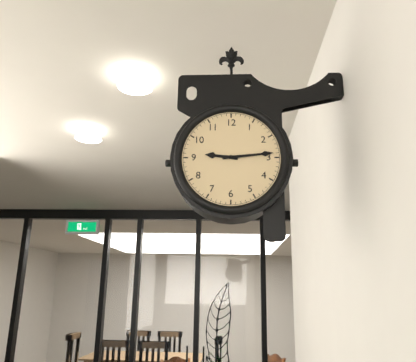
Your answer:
**9:14**
